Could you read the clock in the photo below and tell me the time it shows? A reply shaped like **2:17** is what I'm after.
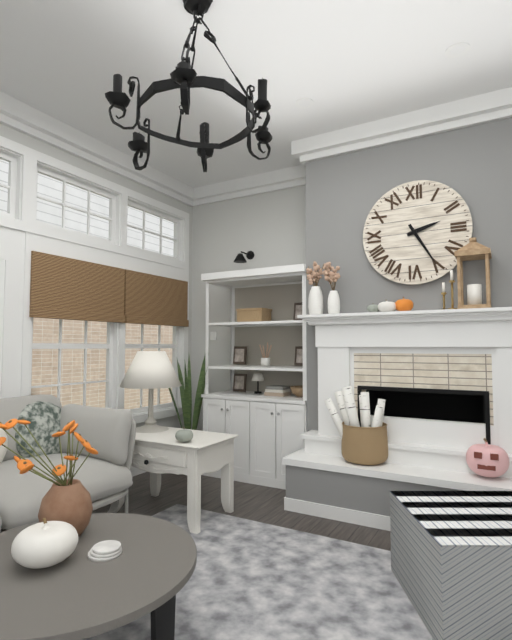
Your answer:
**2:25**
